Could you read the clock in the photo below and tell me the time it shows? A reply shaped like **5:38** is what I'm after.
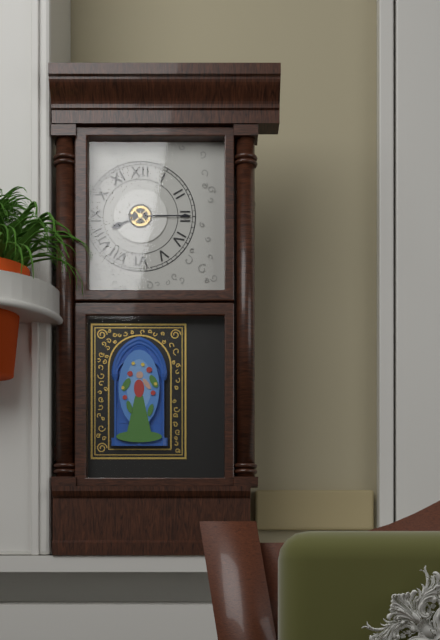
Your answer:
**8:15**
